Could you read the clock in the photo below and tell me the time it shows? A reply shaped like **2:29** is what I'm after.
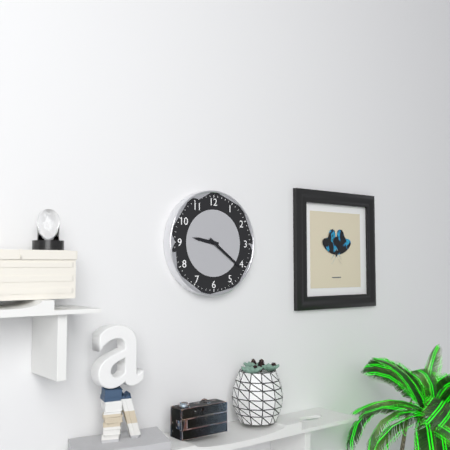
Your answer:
**9:21**
